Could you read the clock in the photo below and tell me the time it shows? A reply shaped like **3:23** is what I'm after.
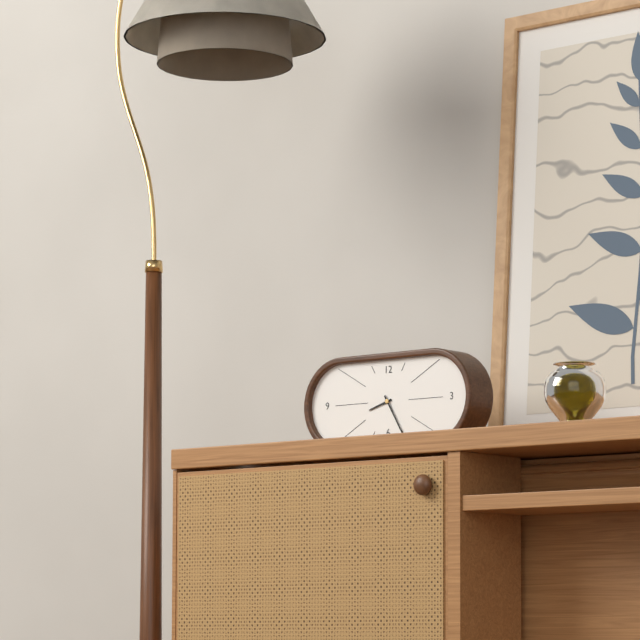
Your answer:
**8:25**
